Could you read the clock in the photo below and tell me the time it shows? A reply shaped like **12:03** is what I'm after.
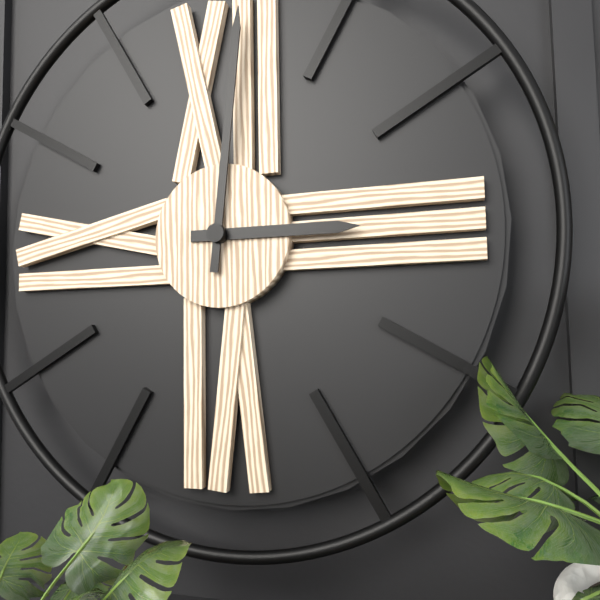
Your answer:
**3:01**
